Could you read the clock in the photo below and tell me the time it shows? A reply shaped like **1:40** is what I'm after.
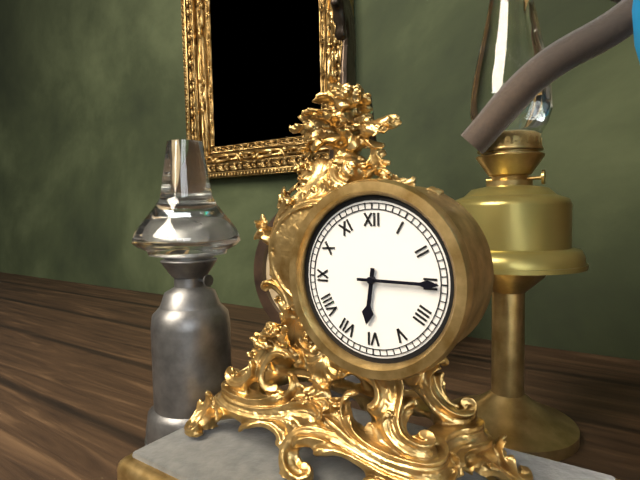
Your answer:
**6:15**
